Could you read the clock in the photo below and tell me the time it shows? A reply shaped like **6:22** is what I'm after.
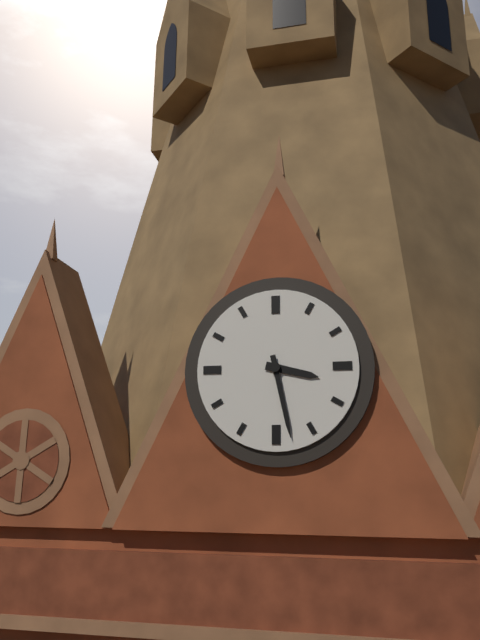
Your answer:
**3:28**
